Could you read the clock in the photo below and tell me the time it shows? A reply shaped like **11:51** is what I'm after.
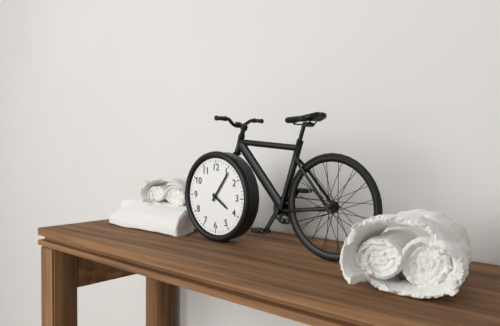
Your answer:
**4:06**
